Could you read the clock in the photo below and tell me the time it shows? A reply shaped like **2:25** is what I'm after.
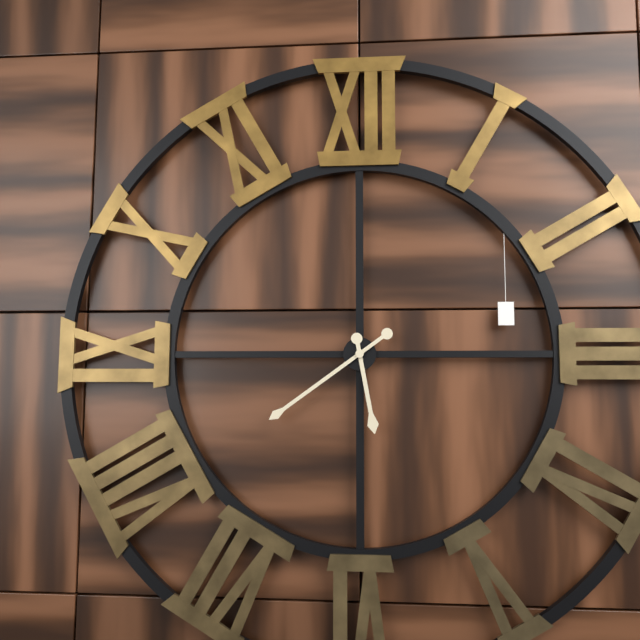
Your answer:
**5:39**
